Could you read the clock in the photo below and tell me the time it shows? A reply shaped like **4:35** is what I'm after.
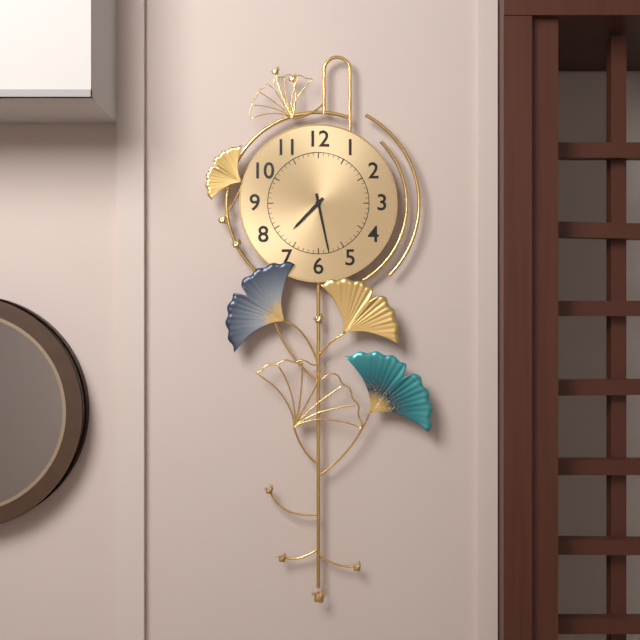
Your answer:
**7:28**
